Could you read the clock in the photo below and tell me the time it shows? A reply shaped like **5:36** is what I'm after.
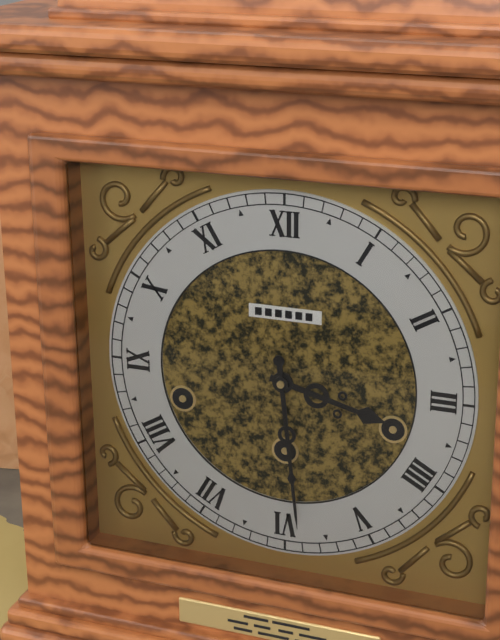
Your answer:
**3:29**
